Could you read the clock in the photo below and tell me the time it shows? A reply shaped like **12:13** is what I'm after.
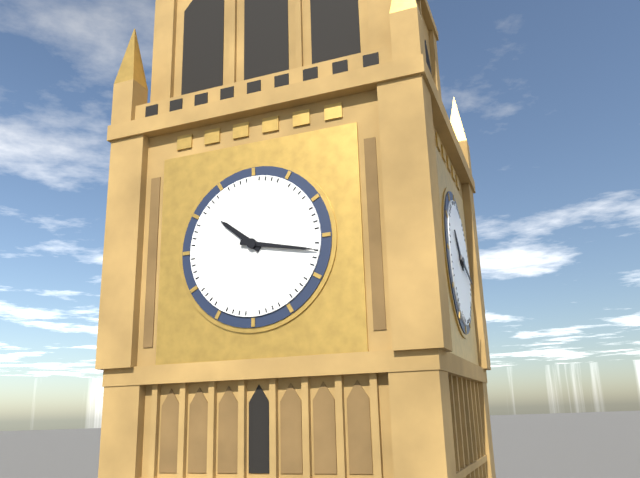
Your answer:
**10:17**
